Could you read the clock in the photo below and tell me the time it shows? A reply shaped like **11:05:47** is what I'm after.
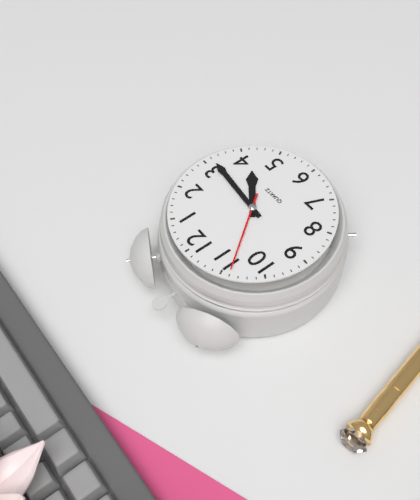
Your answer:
**4:16:54**
